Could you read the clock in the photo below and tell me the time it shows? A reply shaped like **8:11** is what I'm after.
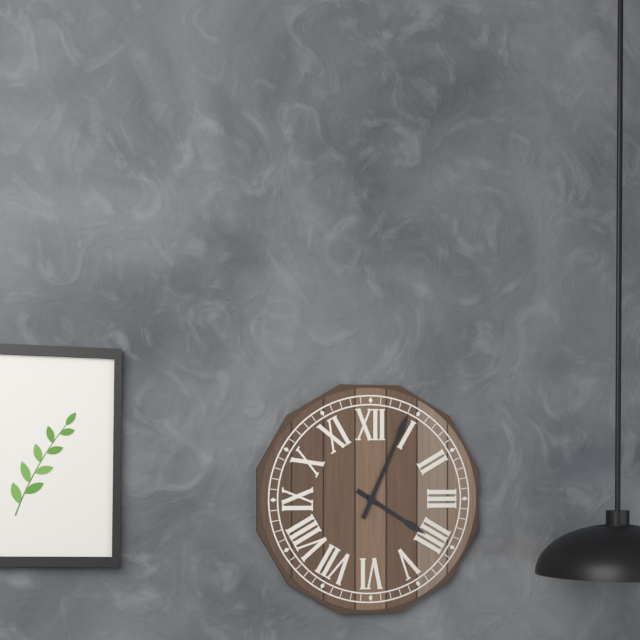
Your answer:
**4:04**
